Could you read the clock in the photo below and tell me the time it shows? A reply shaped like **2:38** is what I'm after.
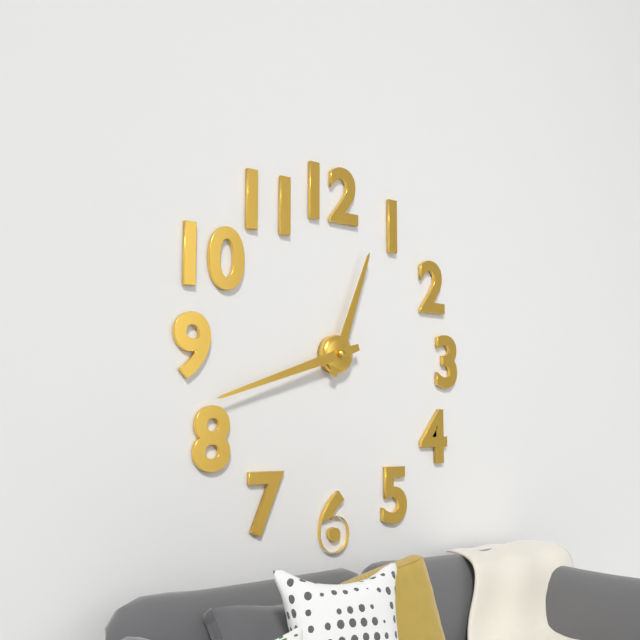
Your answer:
**12:42**
